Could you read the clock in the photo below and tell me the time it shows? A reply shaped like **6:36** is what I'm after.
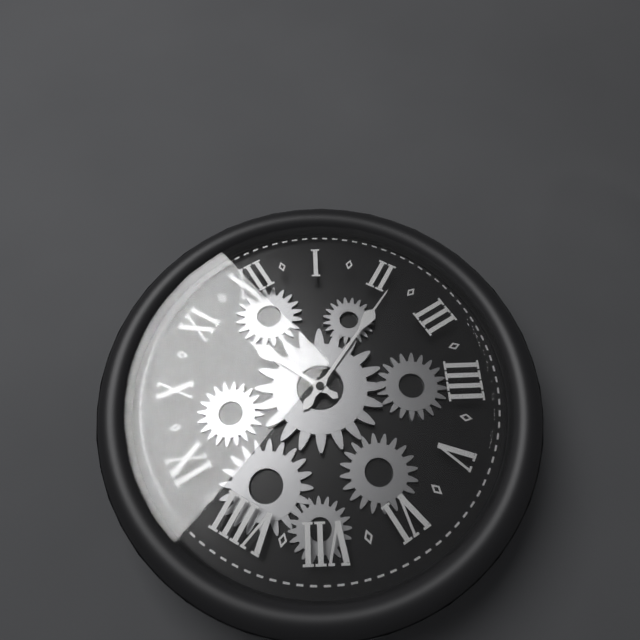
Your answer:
**11:11**
